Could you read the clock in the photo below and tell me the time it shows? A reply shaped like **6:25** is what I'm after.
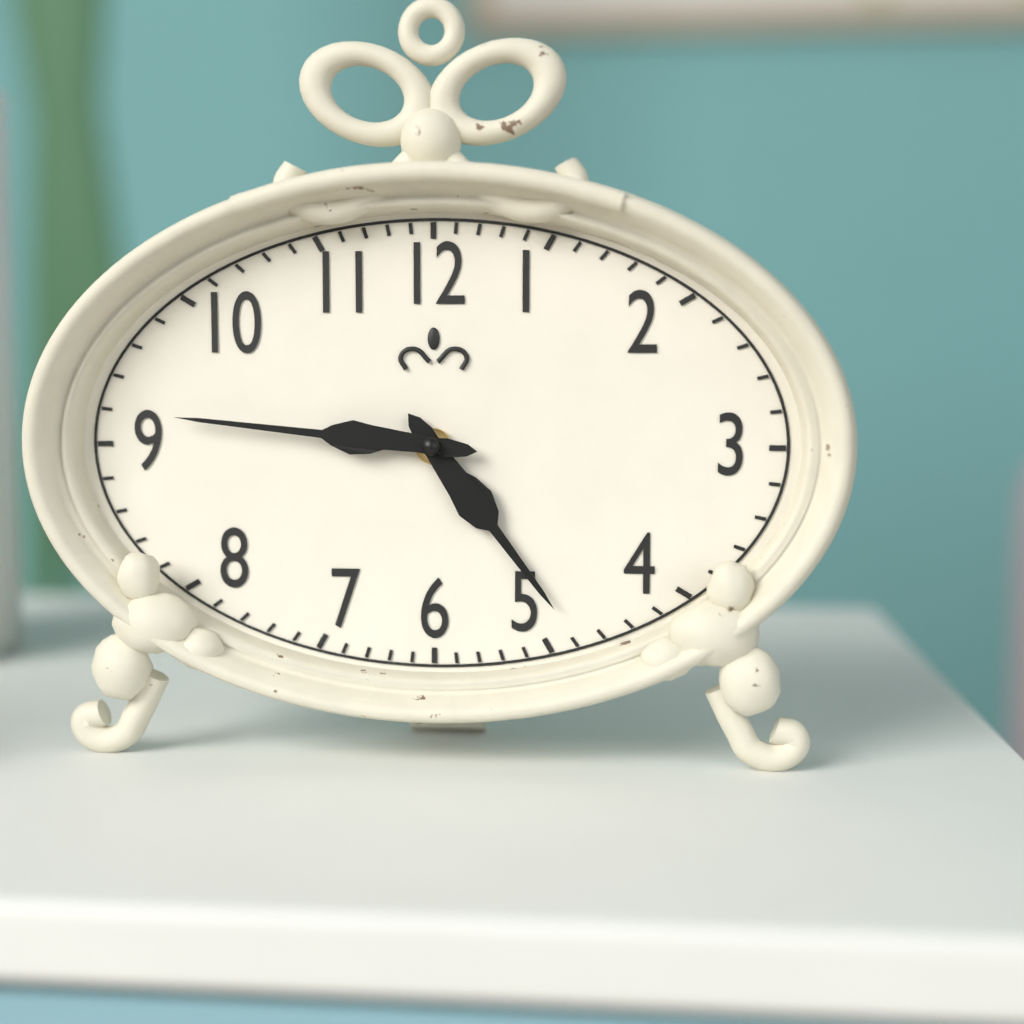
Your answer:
**4:46**
